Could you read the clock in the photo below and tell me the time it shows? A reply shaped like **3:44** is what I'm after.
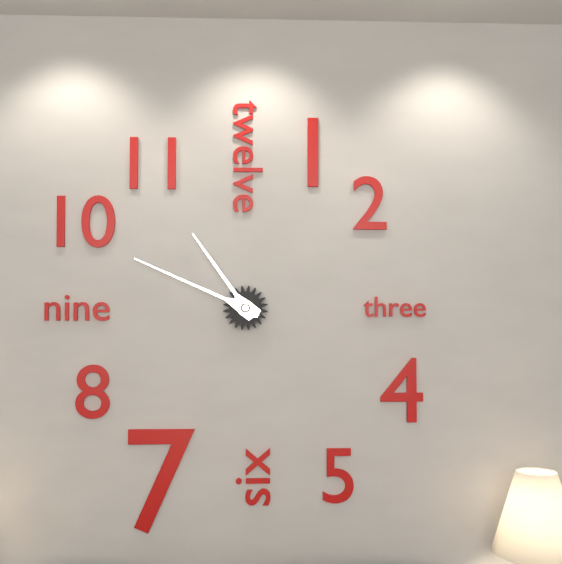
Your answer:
**10:49**
